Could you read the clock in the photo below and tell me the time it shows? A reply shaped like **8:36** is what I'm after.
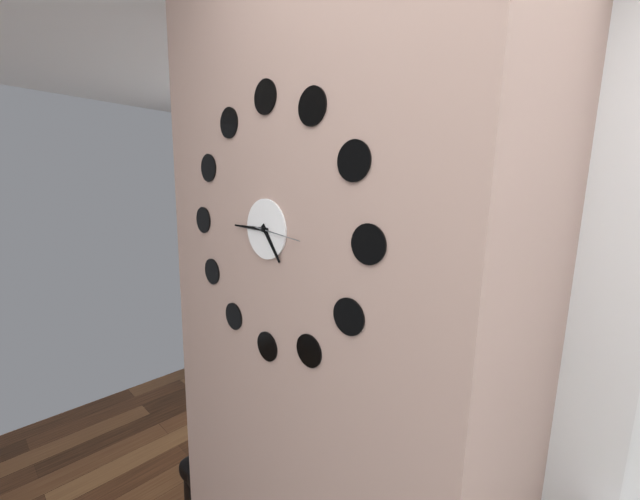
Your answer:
**4:45**
